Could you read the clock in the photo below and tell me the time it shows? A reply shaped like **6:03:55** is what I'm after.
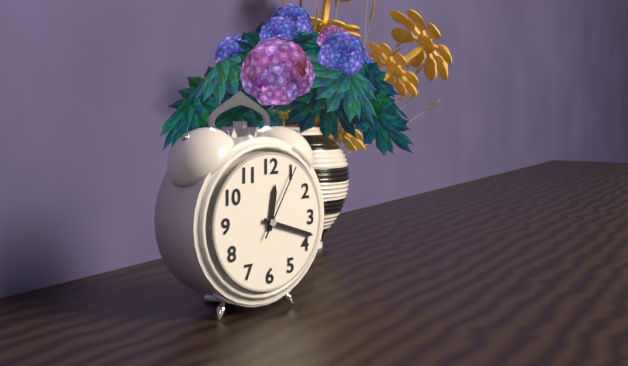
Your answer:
**12:18:05**
